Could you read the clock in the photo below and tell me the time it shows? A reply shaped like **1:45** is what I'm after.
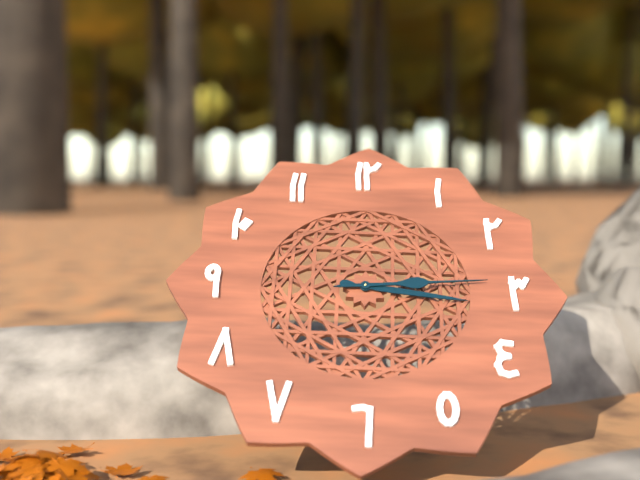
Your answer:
**3:14**
